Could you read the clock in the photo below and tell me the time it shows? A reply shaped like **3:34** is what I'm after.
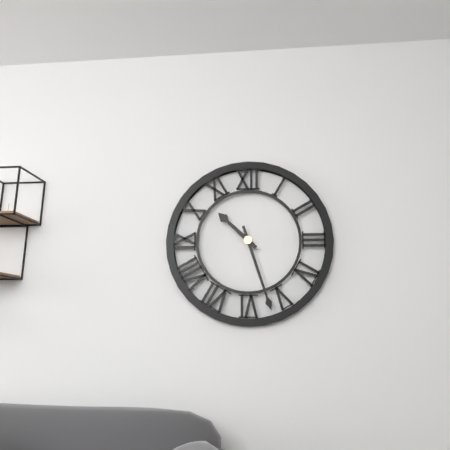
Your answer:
**10:27**
